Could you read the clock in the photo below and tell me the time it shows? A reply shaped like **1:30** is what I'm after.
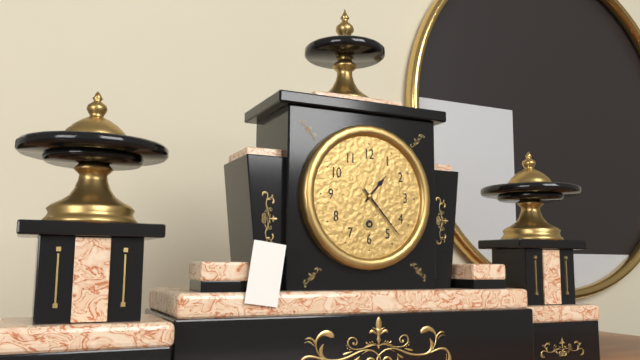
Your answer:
**1:23**
